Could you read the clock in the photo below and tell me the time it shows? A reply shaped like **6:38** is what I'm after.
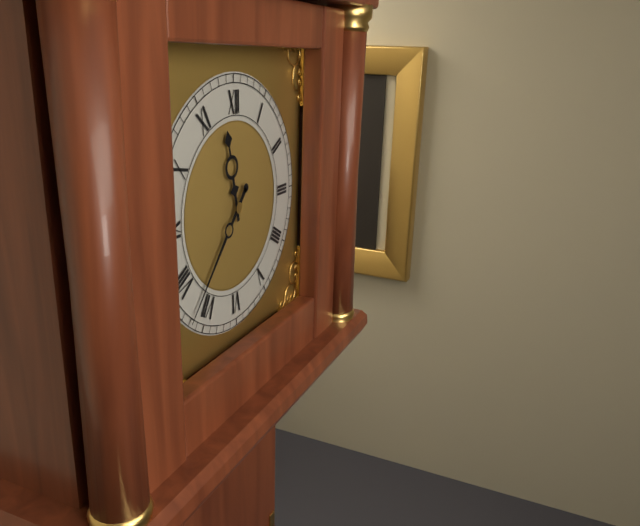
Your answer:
**11:37**
